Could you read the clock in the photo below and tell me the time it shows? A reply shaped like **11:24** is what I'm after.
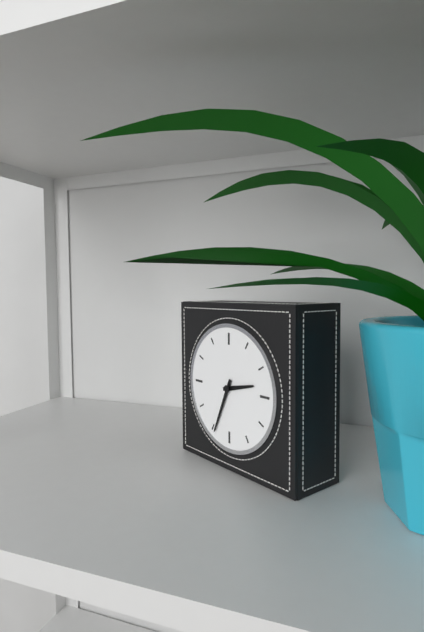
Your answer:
**2:34**
